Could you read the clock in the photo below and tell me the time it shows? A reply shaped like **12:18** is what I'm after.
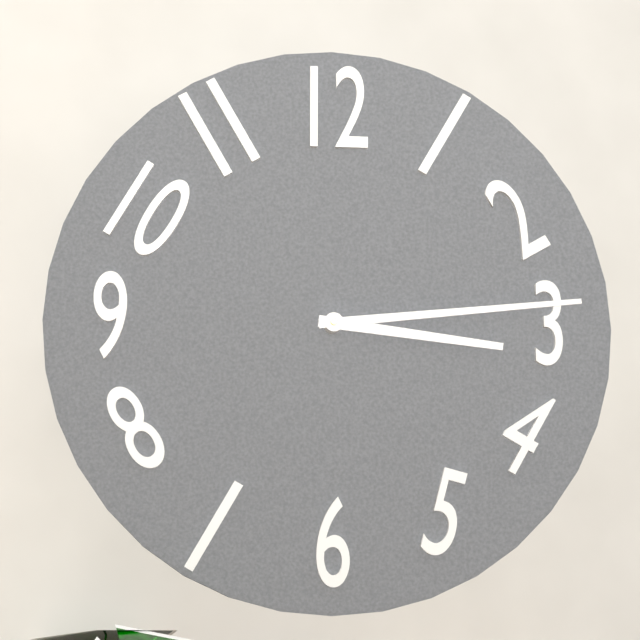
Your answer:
**3:14**
